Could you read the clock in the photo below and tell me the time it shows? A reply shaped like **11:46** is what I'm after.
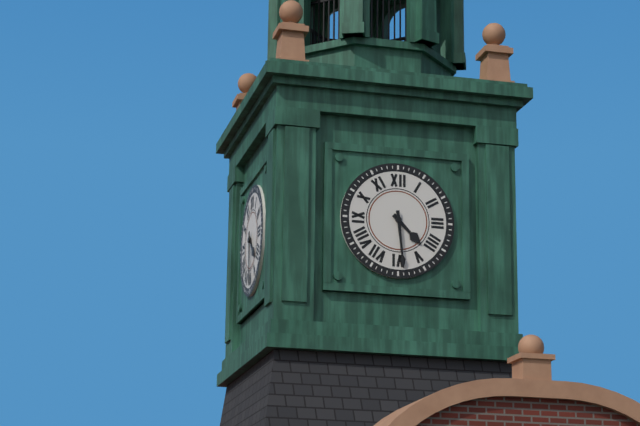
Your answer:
**4:29**
